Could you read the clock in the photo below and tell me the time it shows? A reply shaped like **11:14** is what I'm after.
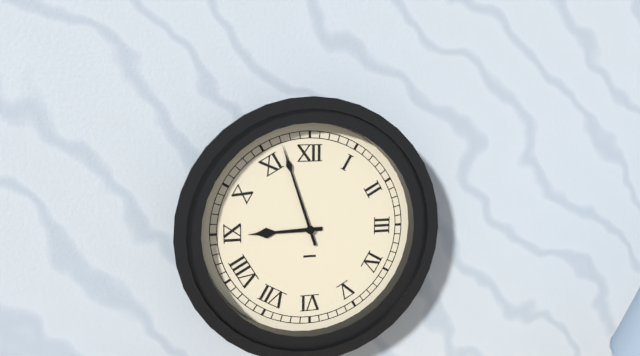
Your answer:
**8:57**
